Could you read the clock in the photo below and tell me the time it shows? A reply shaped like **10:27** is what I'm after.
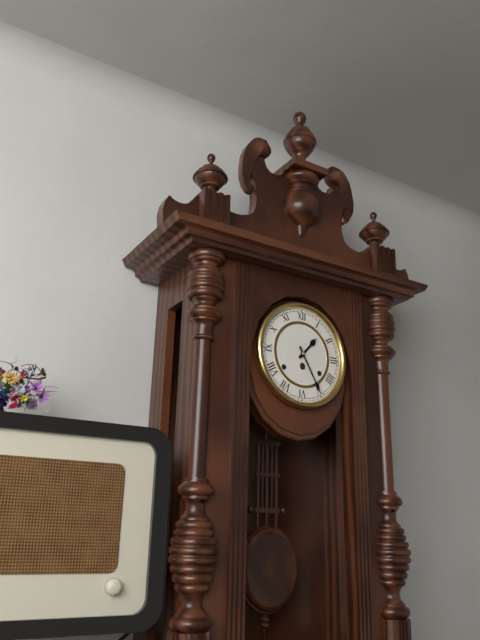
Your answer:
**1:25**
